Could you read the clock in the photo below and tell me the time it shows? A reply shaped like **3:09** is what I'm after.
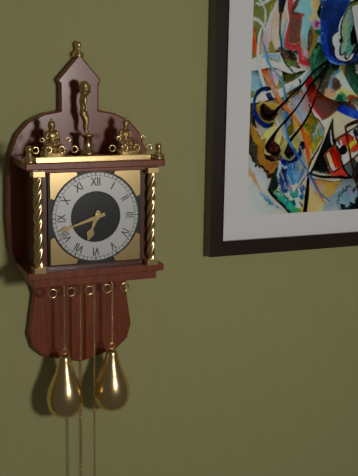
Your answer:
**6:42**
